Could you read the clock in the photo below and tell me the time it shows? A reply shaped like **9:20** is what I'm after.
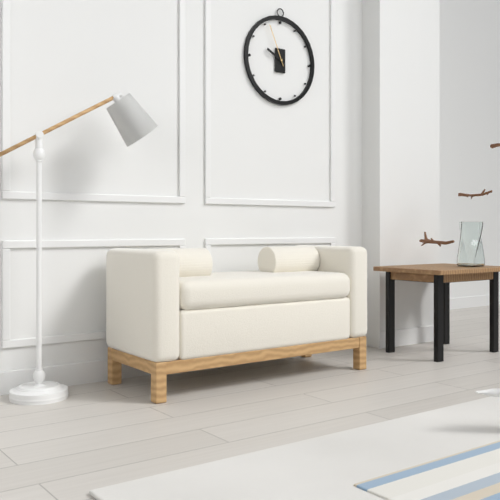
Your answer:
**9:56**
